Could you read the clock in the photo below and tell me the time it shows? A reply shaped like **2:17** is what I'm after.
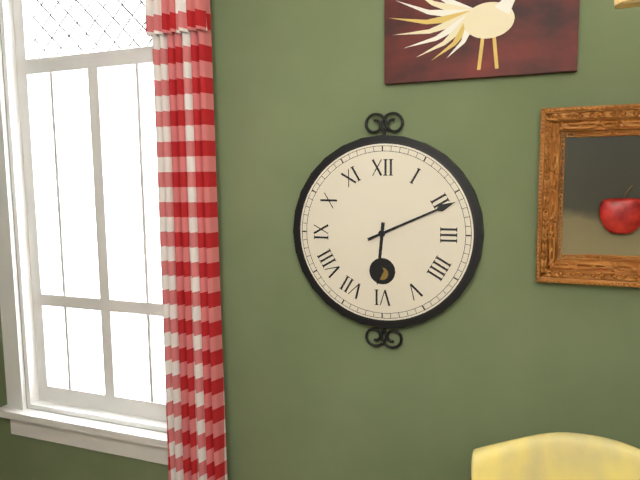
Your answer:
**6:11**
